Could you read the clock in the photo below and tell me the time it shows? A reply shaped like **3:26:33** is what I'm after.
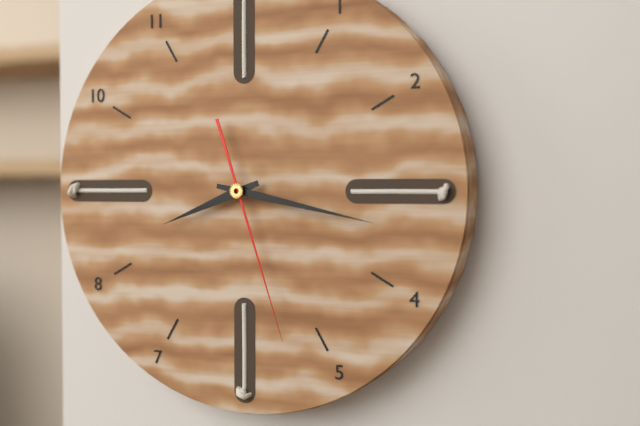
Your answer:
**8:17:27**
